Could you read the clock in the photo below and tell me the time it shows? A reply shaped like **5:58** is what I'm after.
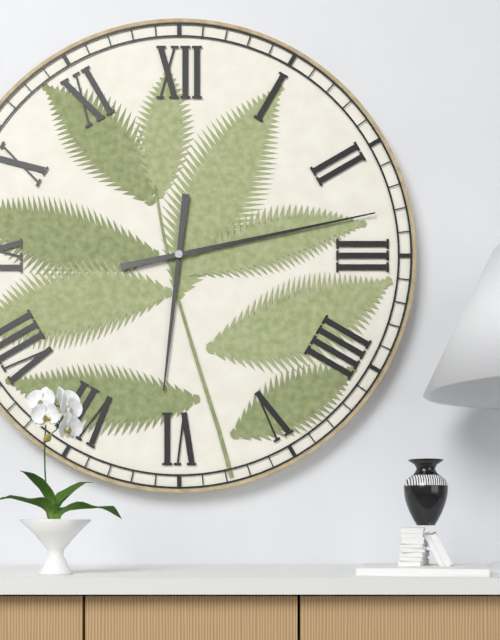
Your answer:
**6:13**
